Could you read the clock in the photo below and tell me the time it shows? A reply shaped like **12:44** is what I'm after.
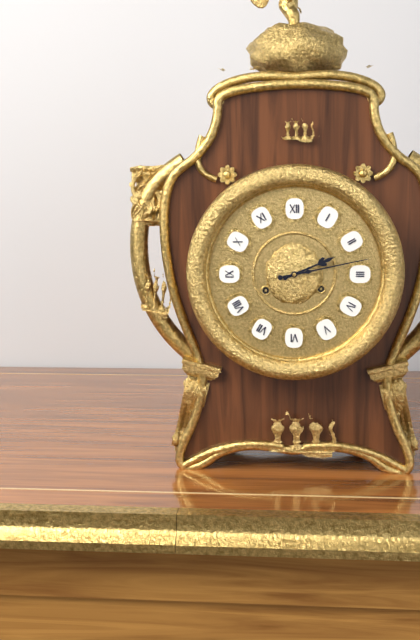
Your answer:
**2:13**
